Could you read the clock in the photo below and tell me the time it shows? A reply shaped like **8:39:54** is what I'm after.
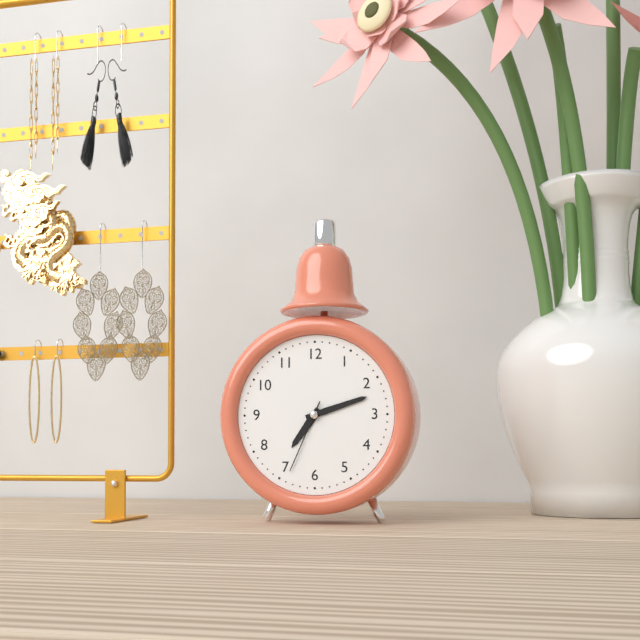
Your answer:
**7:12:34**
